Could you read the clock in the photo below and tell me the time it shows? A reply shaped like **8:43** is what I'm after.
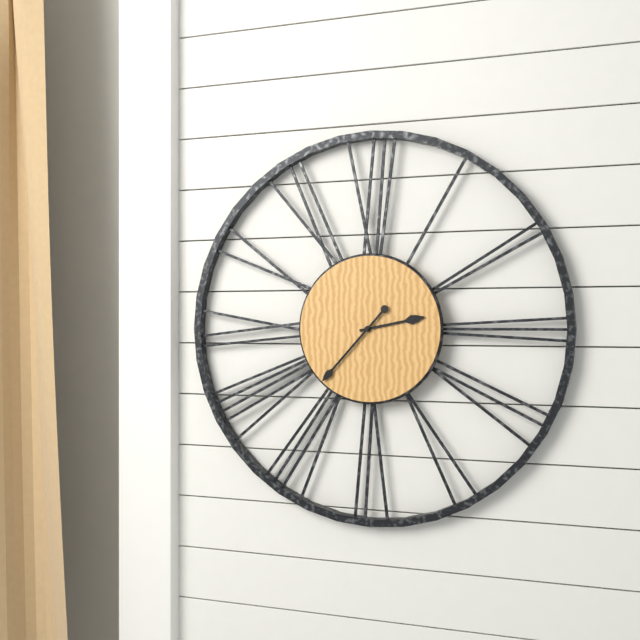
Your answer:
**2:37**
